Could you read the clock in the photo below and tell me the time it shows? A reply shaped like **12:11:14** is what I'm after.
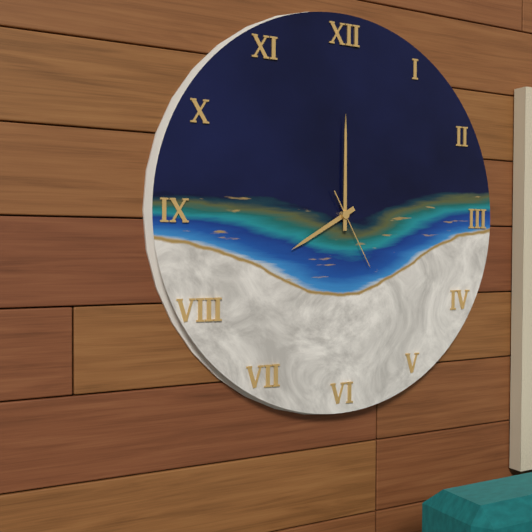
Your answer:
**8:00:25**
